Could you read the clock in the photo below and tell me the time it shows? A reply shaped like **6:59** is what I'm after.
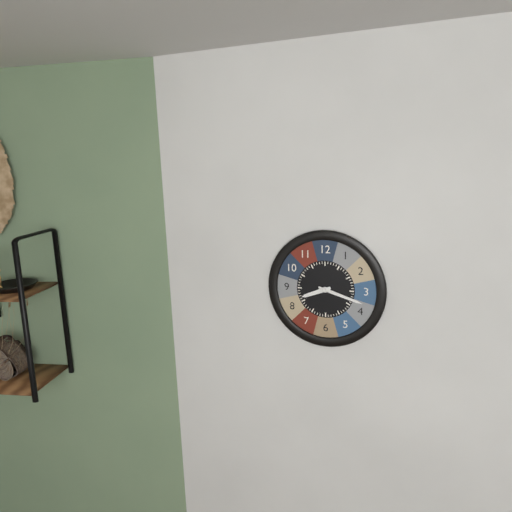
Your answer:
**8:18**
